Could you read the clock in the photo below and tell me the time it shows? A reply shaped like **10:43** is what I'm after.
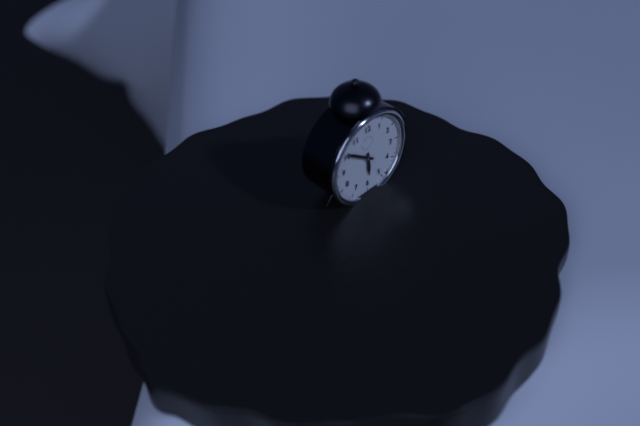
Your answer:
**5:51**
